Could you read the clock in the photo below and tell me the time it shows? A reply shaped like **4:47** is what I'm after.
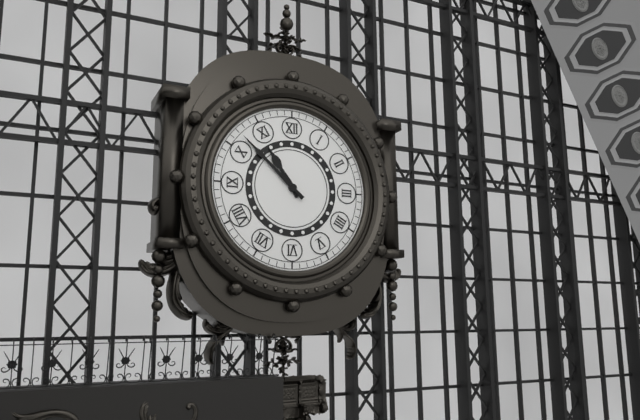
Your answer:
**10:52**
